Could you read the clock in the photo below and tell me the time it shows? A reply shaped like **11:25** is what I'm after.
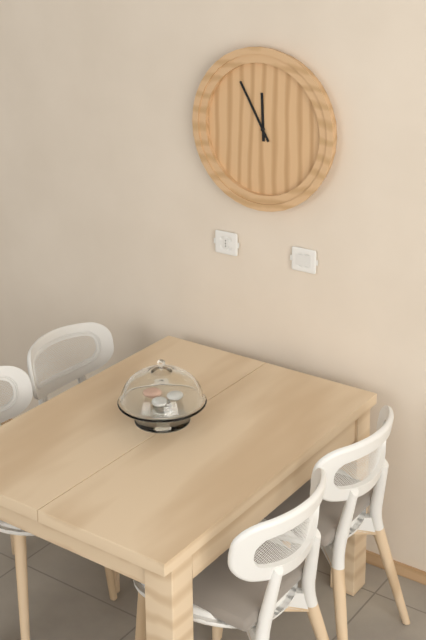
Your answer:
**11:55**
